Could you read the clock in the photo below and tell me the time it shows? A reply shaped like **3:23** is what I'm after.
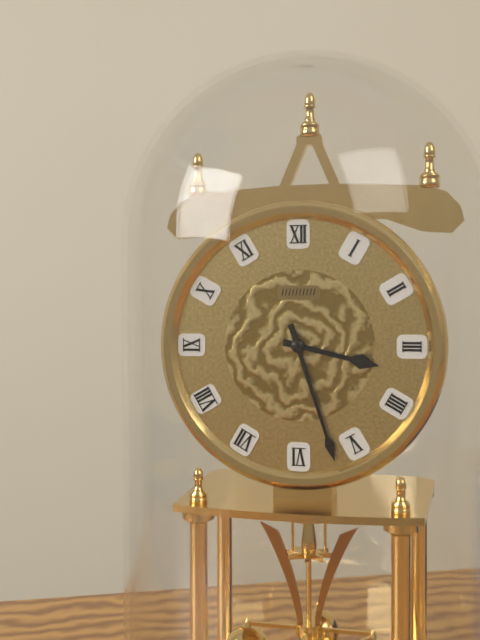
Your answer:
**3:27**
